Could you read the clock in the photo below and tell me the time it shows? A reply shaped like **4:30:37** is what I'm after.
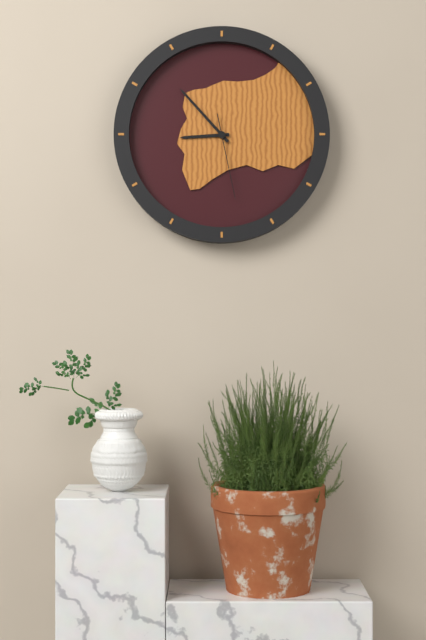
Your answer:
**8:53:28**
